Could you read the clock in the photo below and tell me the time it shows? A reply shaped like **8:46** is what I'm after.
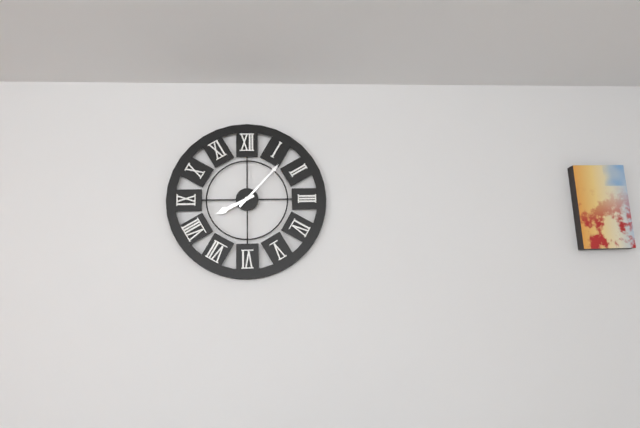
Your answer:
**8:07**
